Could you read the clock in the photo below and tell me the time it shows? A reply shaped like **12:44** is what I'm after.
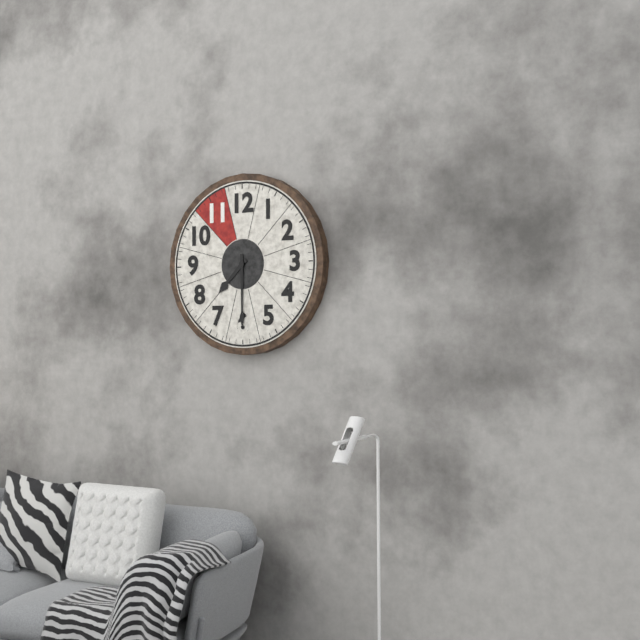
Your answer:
**7:30**
